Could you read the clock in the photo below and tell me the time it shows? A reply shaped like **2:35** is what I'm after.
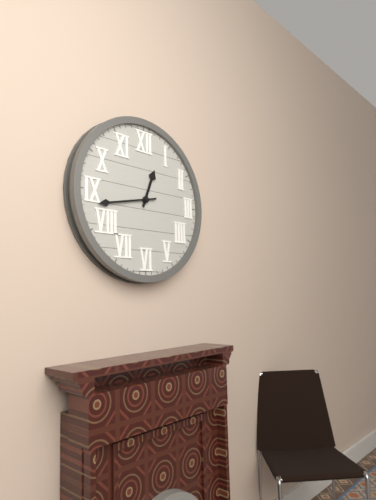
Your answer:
**12:43**
